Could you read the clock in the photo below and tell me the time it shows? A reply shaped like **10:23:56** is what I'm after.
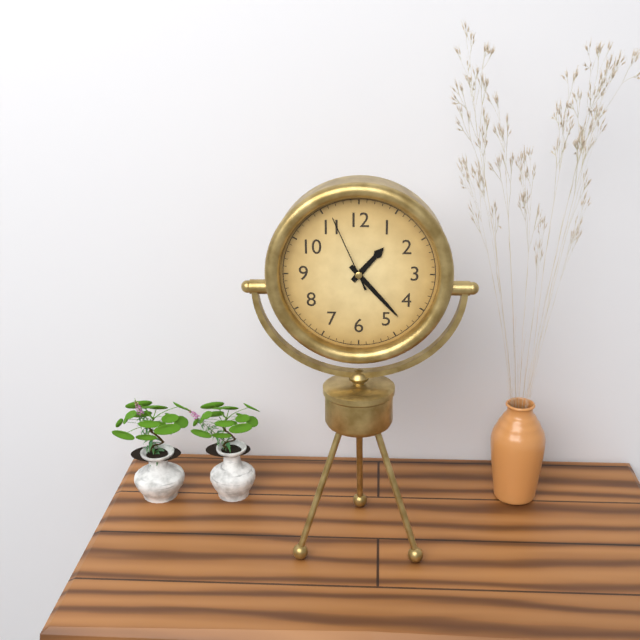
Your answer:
**1:23:56**
